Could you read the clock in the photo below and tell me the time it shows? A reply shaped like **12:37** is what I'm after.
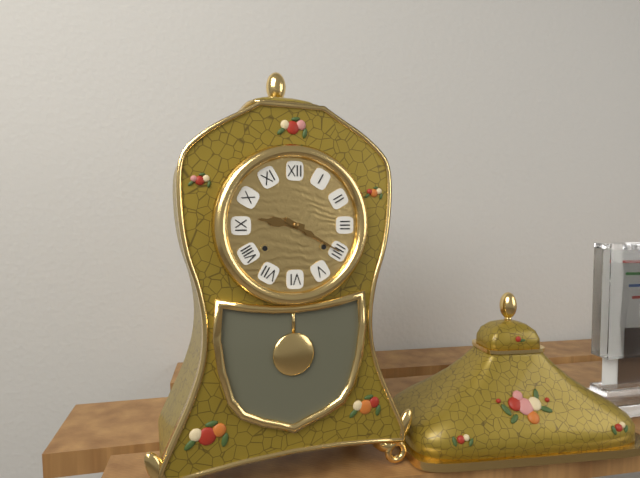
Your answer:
**9:20**
